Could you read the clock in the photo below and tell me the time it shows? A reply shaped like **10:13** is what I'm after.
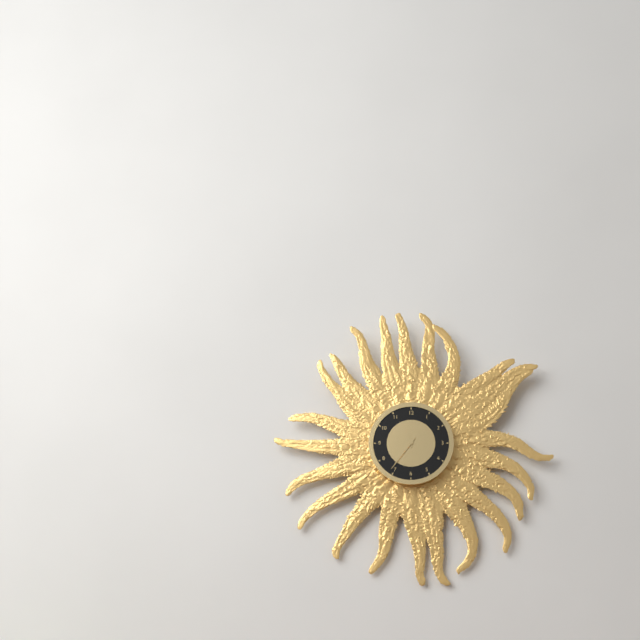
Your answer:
**11:36**
